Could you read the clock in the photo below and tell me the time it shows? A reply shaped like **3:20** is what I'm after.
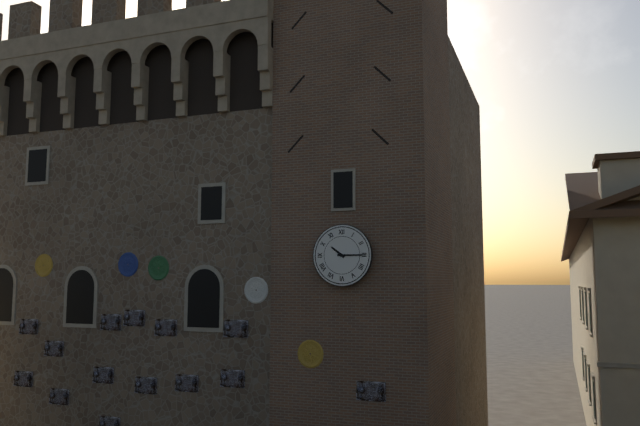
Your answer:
**10:15**
